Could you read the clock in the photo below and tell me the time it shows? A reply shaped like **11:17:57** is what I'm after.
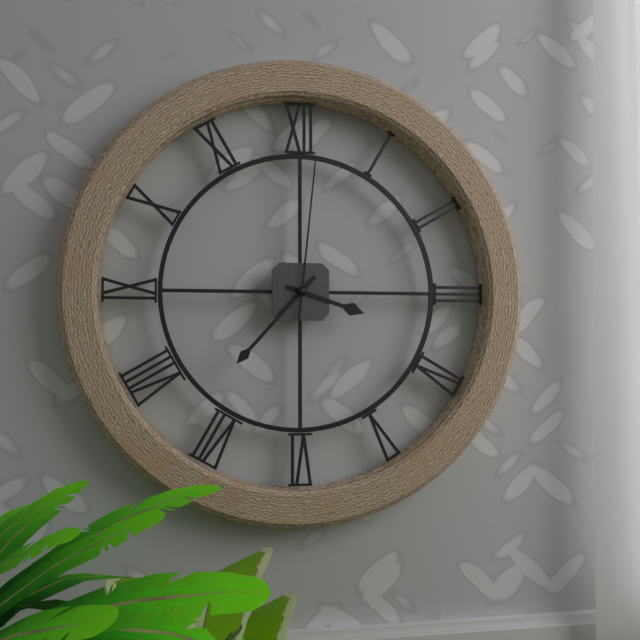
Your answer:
**3:37:01**
